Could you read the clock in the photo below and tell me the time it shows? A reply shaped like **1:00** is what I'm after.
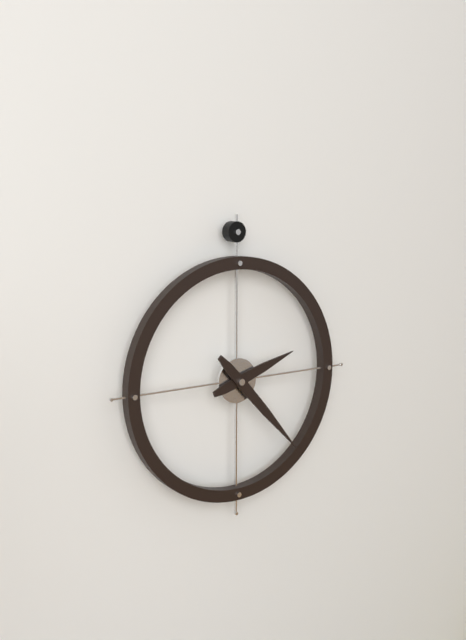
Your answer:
**2:23**
